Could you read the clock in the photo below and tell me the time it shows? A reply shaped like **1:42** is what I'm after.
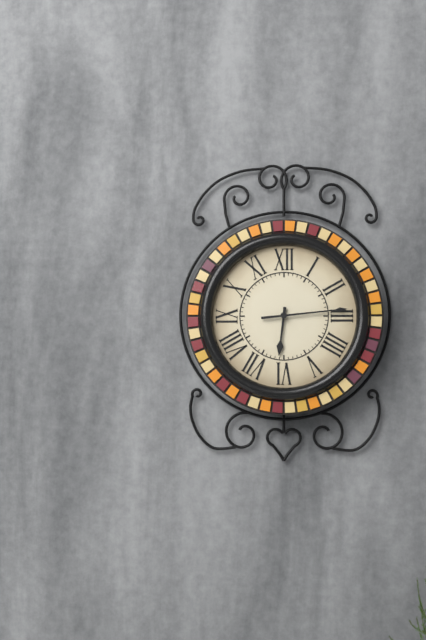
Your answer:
**6:14**
